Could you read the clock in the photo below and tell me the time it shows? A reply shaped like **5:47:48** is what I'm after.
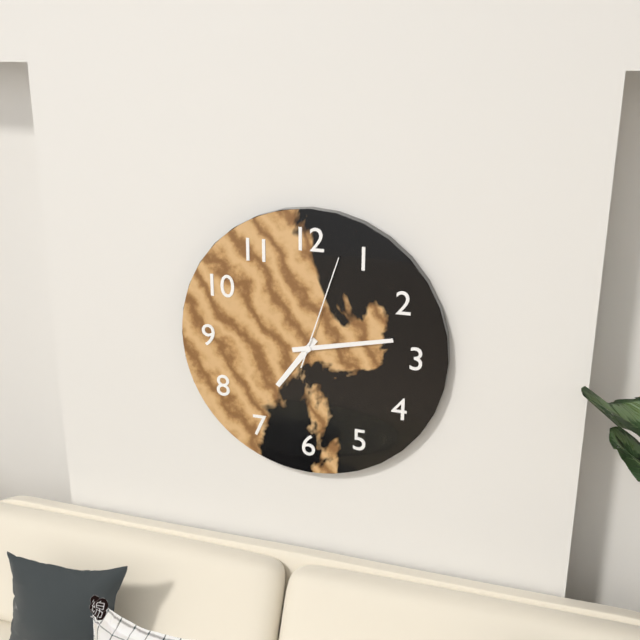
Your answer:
**7:13:03**
